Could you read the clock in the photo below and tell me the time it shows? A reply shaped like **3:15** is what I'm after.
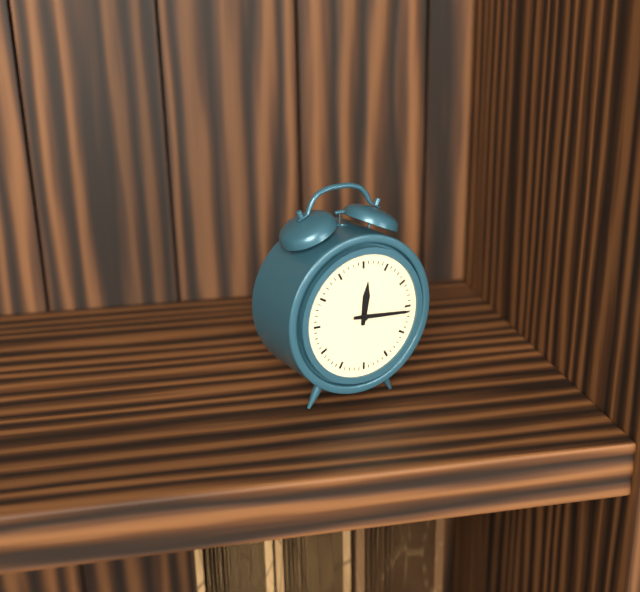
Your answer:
**12:16**
